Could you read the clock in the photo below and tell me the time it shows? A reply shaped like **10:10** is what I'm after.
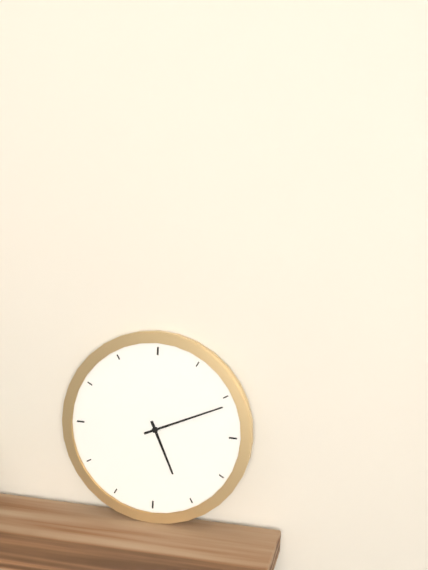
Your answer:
**5:11**
